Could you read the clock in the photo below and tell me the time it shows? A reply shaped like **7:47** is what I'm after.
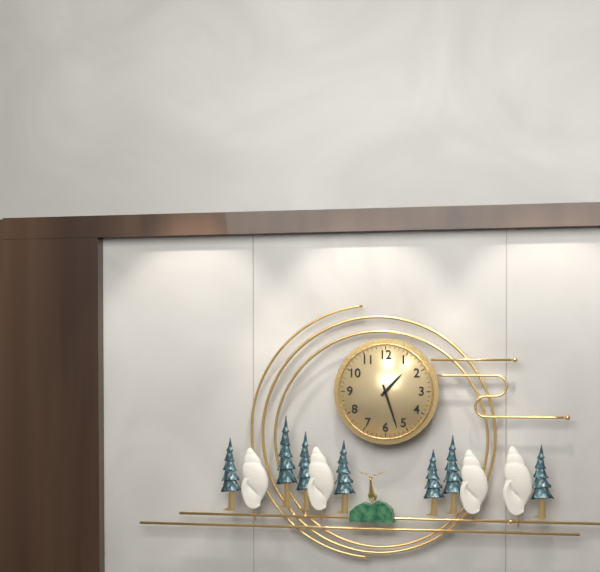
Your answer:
**1:27**
